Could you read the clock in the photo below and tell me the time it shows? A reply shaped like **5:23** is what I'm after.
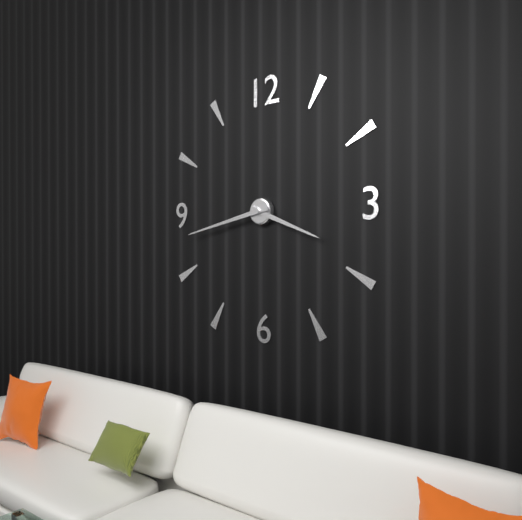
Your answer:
**3:43**
